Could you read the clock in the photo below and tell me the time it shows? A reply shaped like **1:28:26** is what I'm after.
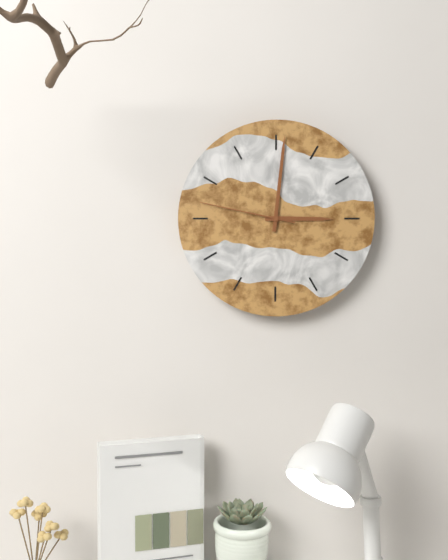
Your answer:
**3:01:47**
